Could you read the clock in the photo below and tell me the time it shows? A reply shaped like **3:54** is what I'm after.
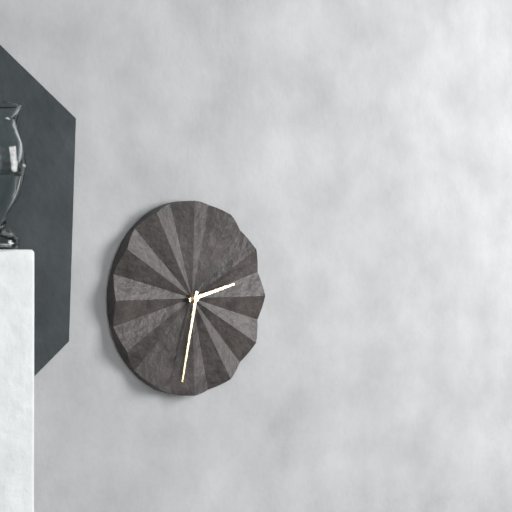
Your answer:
**2:32**
